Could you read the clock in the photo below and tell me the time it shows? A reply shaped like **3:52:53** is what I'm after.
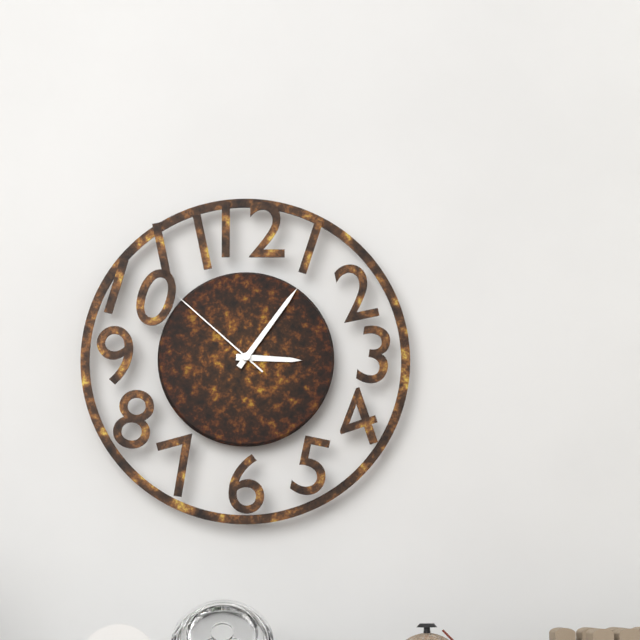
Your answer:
**3:06:52**
